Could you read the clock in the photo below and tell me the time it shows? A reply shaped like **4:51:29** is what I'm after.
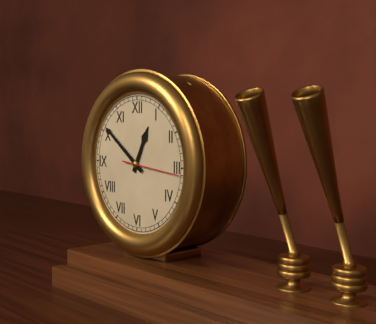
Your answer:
**12:51:16**
